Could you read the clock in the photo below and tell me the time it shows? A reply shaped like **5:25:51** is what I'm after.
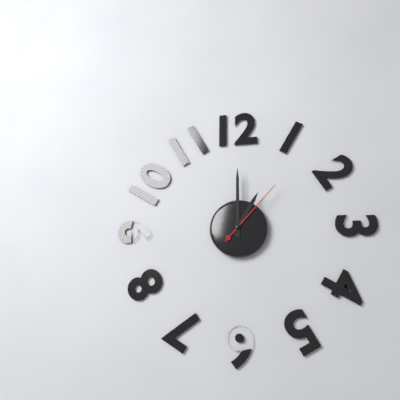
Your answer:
**1:00:07**
